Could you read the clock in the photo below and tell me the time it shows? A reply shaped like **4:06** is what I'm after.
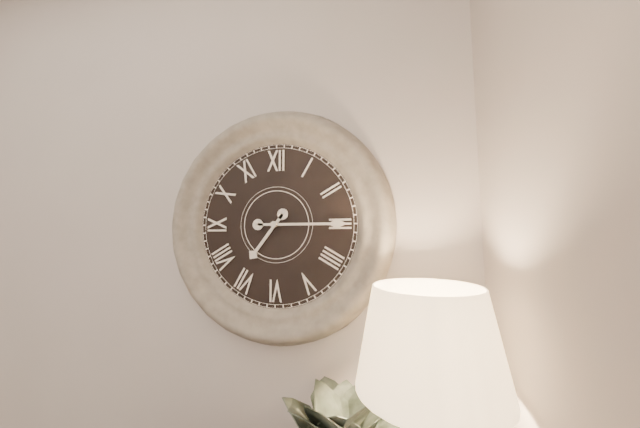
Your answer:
**7:15**
